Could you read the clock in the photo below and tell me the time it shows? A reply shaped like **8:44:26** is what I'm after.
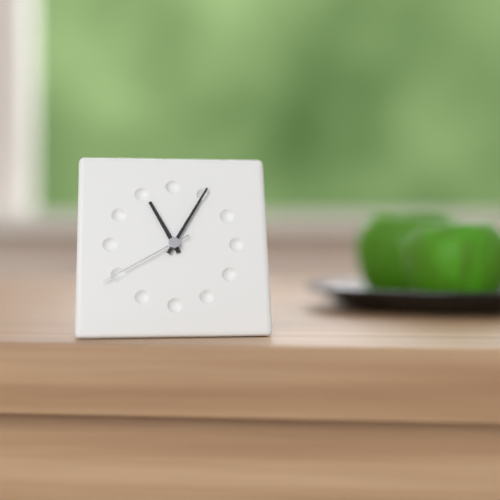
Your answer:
**11:05:40**
